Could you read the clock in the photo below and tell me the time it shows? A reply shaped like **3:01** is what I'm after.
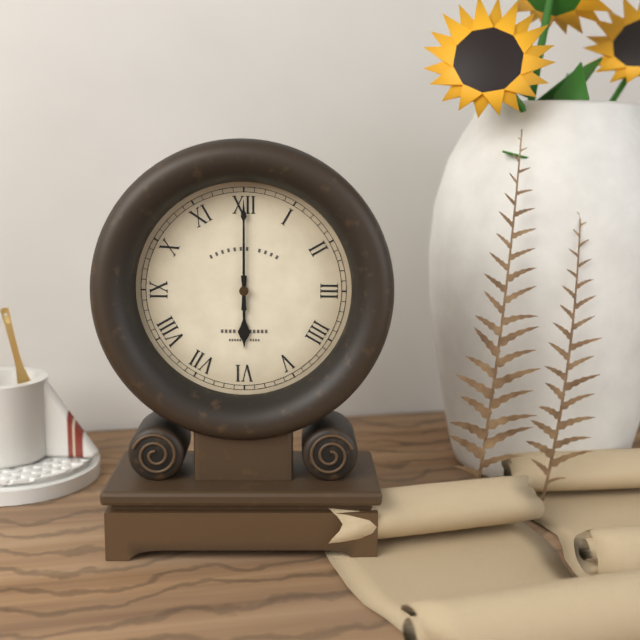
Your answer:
**6:00**
